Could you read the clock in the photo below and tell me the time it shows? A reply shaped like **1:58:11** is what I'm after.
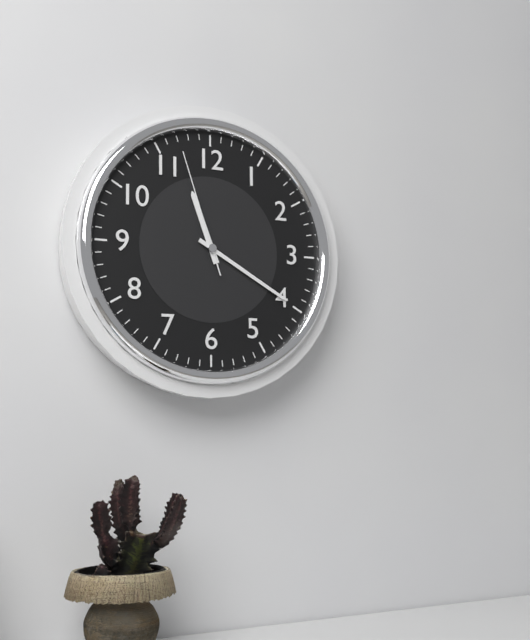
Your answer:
**11:20:57**
